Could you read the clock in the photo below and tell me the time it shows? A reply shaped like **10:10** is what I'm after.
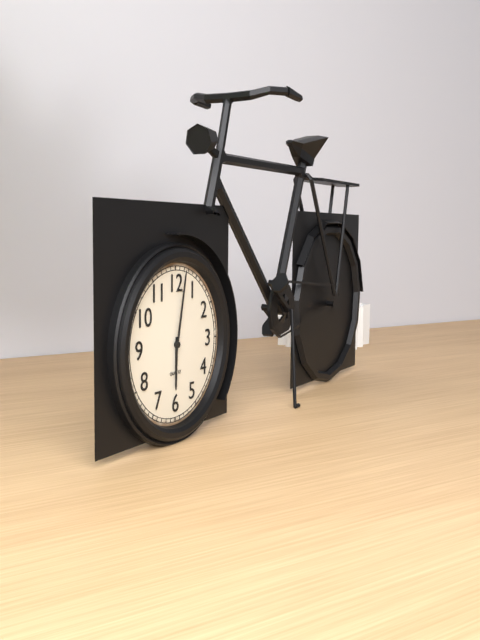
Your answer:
**6:02**
